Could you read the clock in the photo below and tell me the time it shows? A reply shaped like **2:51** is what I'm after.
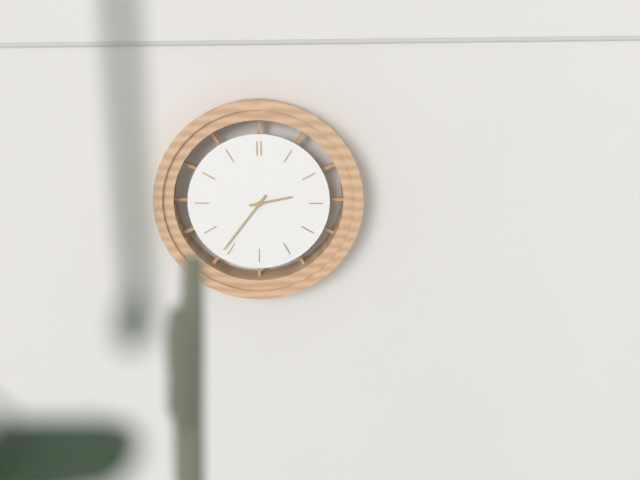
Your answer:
**2:36**
